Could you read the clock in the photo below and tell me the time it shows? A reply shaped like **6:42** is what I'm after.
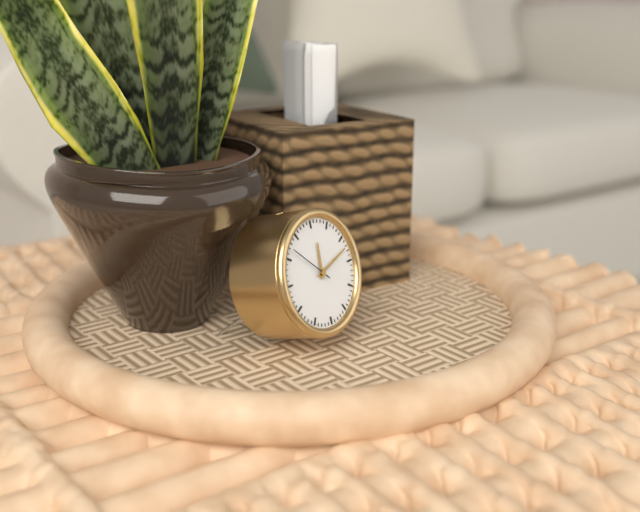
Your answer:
**12:12**
